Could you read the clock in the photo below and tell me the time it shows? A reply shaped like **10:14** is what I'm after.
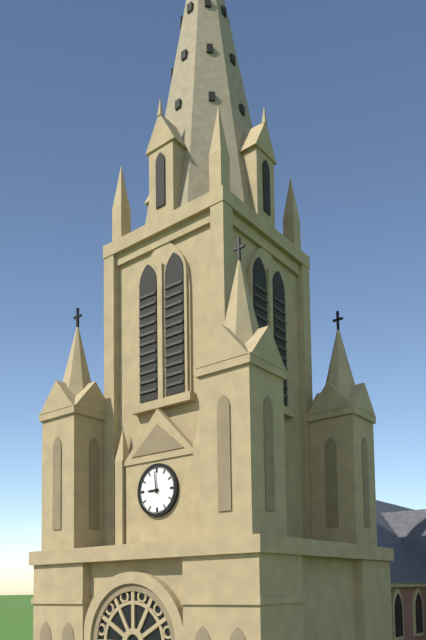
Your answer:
**8:59**
